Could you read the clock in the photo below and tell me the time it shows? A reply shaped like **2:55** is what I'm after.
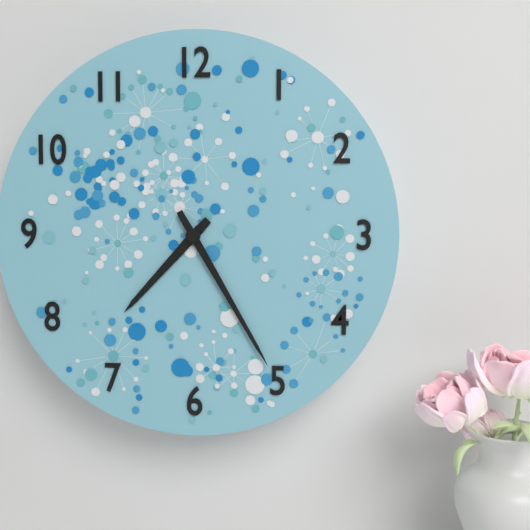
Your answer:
**7:25**
